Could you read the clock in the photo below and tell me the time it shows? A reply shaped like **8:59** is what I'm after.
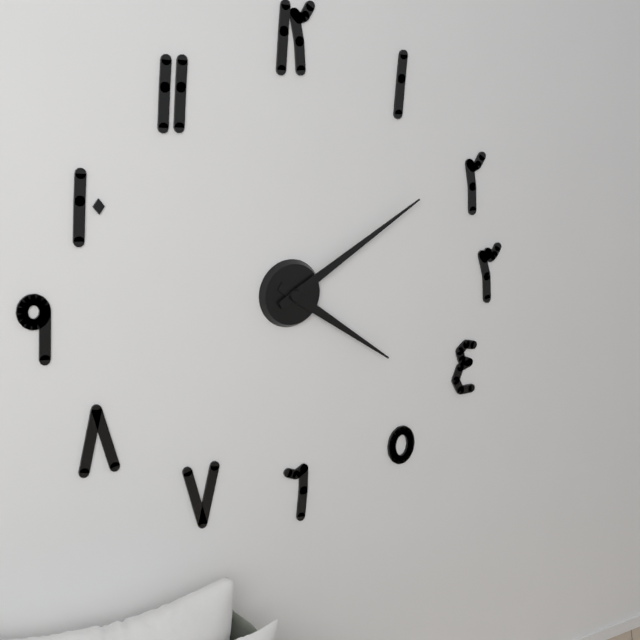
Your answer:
**4:10**
